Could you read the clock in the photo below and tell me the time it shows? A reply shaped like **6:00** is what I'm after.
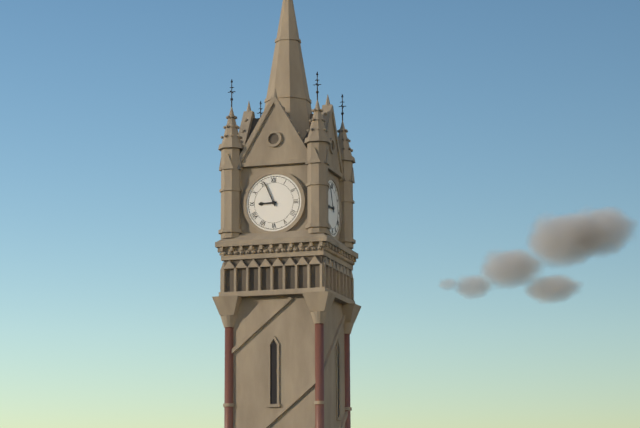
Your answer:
**8:56**
